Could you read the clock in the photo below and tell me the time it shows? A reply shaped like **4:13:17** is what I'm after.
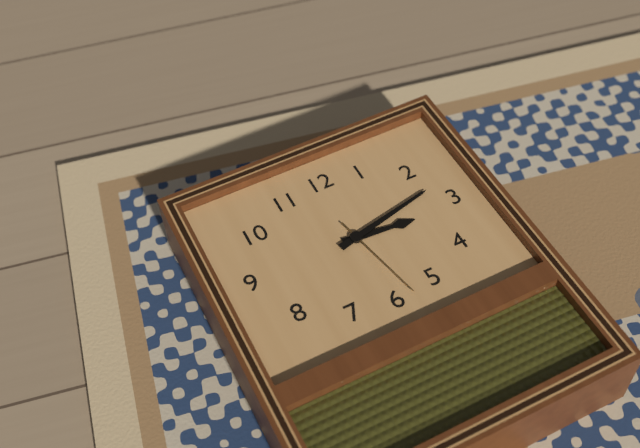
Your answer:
**3:13:28**
